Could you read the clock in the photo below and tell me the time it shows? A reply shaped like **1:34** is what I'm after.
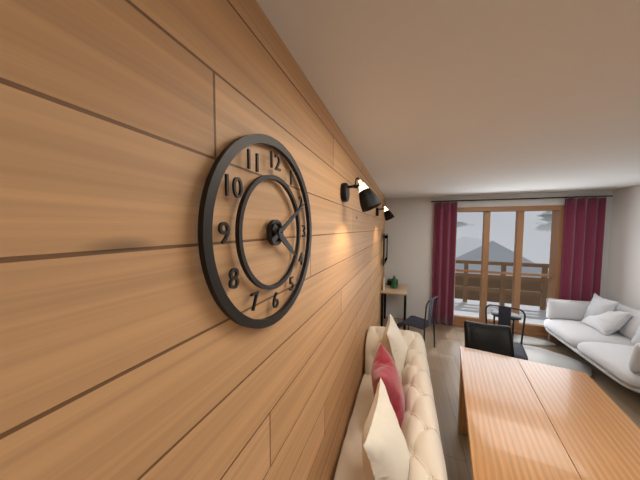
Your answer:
**4:10**
